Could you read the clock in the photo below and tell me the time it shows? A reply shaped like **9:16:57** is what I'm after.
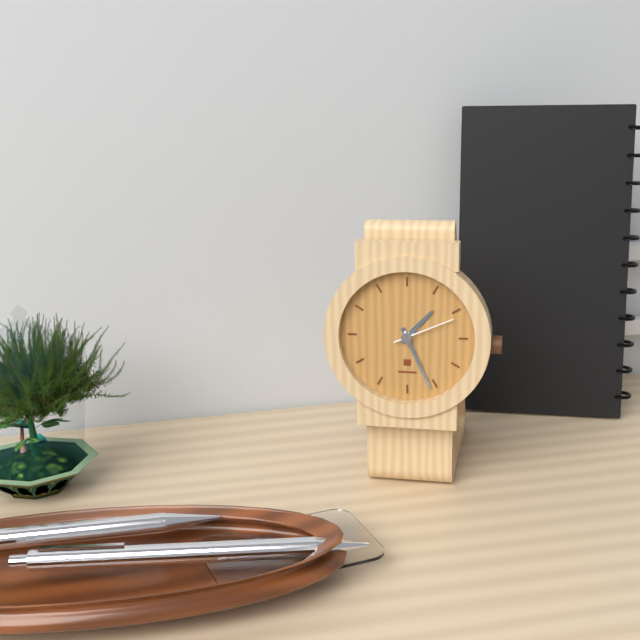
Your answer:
**1:26:11**
